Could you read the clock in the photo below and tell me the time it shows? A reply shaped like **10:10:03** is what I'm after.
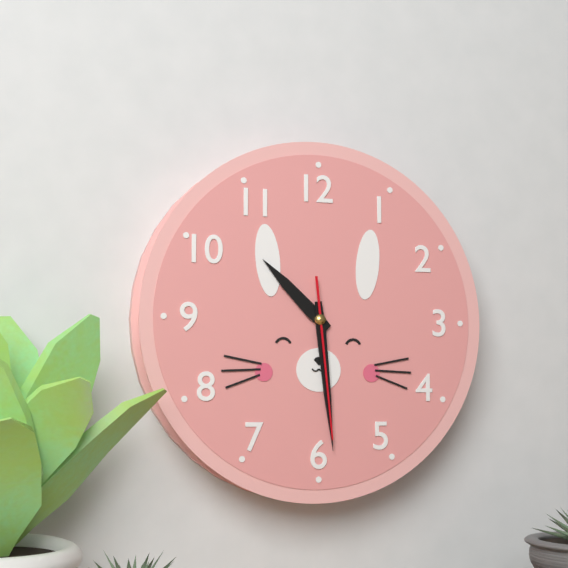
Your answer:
**10:29:29**
